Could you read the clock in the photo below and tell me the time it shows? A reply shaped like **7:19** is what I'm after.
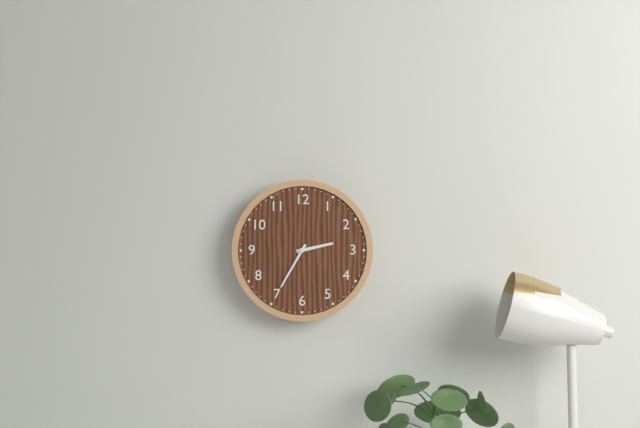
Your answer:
**2:35**
